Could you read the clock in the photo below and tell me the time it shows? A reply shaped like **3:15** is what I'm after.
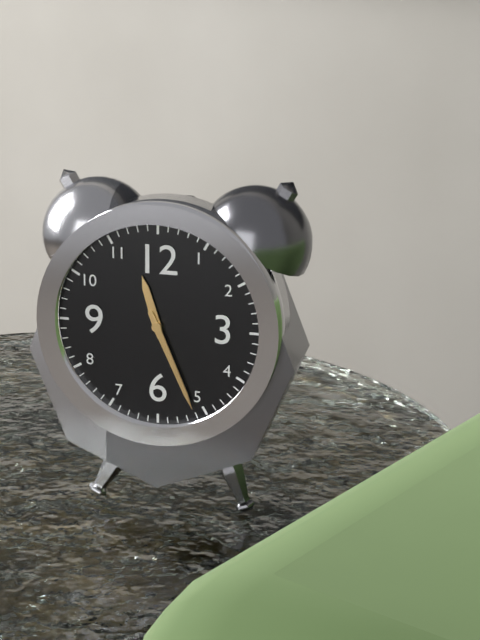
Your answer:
**11:26**
